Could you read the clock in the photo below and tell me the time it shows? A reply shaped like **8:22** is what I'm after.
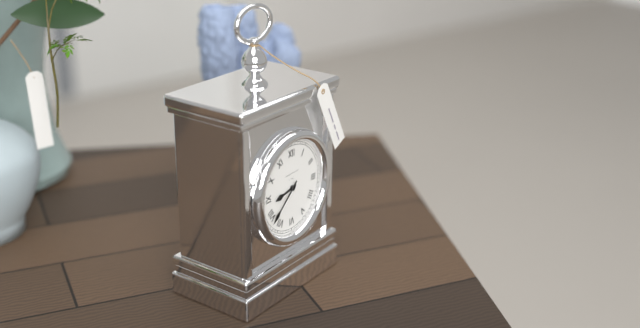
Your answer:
**8:38**
